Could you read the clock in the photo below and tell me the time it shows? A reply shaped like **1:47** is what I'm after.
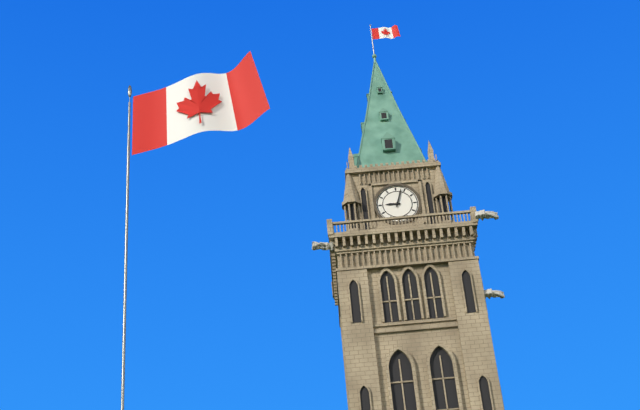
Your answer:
**9:03**
